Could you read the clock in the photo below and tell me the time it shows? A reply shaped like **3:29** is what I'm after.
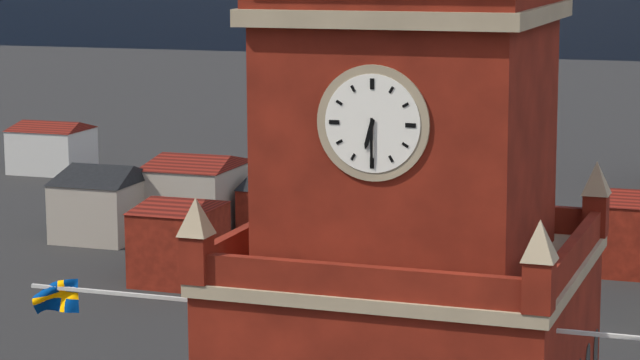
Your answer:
**6:30**
